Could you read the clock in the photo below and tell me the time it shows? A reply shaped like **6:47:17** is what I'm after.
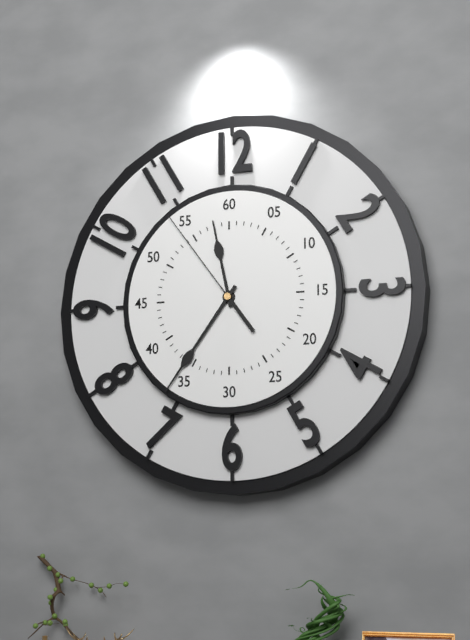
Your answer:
**11:36:54**
